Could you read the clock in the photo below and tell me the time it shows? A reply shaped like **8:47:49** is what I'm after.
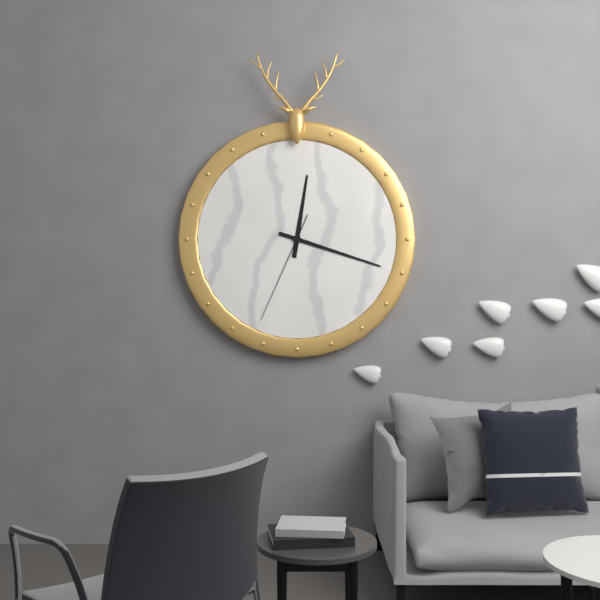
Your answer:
**12:18:34**
